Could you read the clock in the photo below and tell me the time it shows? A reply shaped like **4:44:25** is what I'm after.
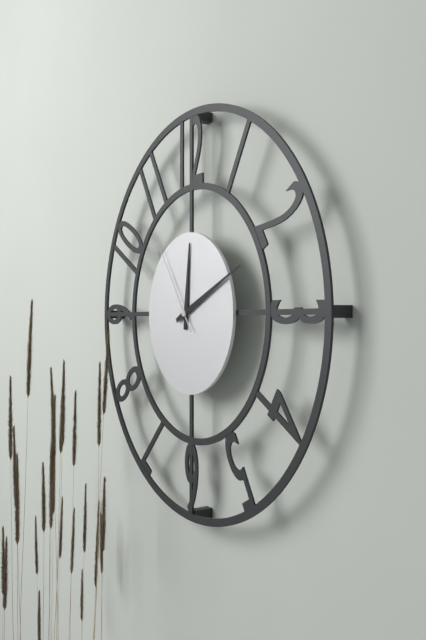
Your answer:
**12:11:54**
